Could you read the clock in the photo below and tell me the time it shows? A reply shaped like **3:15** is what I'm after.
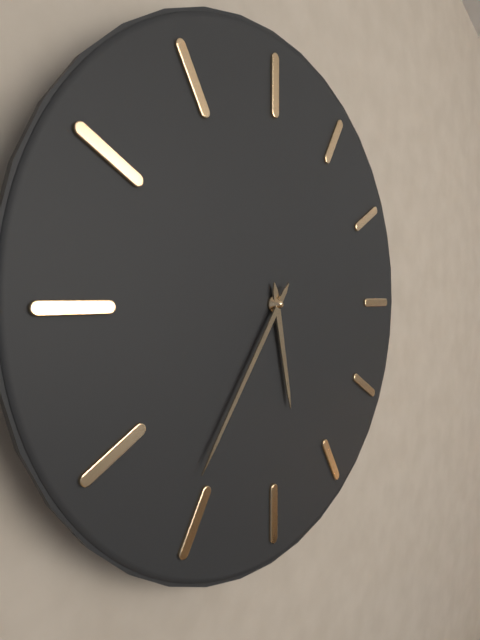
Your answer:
**5:36**
